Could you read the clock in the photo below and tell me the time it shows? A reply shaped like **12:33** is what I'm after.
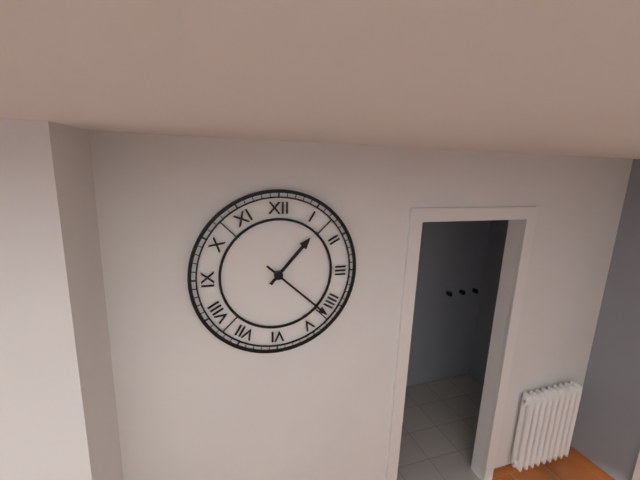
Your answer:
**1:22**
